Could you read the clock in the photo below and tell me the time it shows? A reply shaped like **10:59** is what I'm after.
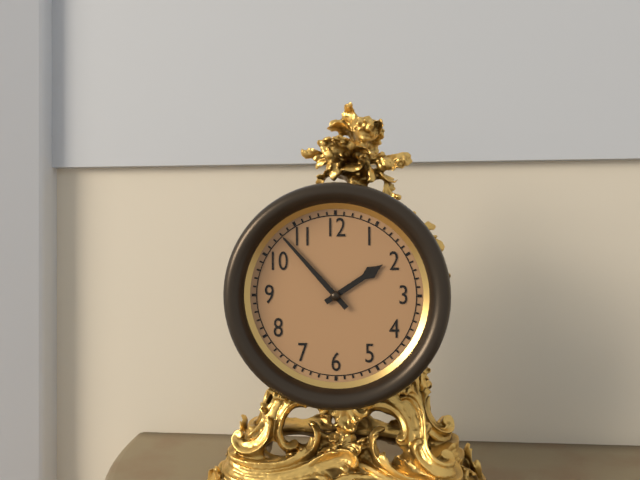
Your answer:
**1:53**
